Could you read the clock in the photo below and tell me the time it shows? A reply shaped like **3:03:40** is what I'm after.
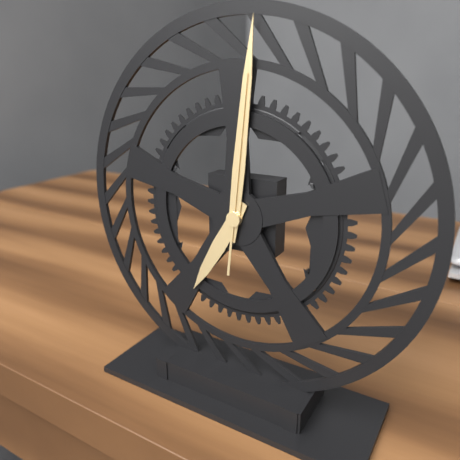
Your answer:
**7:01:01**
